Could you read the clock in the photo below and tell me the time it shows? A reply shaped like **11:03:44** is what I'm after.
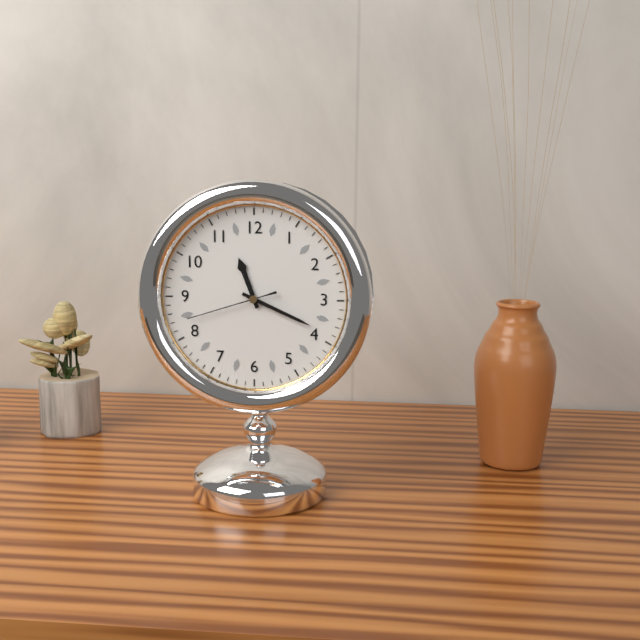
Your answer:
**11:19:42**
